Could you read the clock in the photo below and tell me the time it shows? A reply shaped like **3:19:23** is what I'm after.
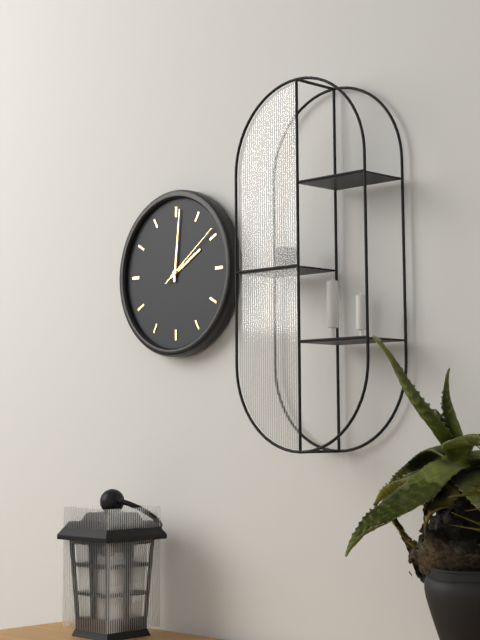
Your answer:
**2:01:09**
